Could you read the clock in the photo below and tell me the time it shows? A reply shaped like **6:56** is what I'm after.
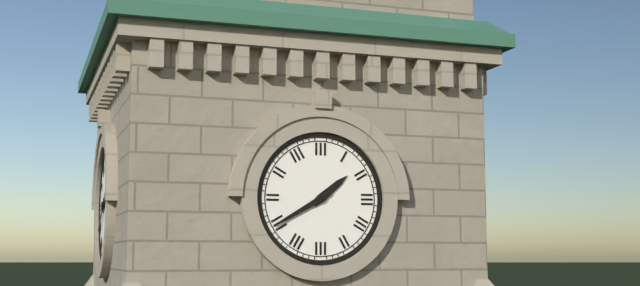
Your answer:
**1:40**
